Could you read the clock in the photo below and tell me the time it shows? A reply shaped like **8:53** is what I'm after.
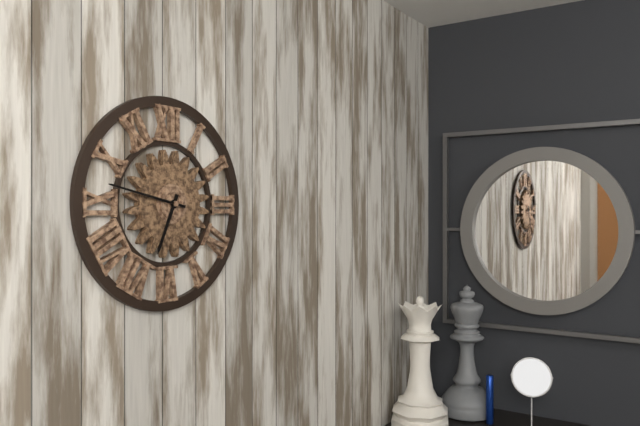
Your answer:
**6:47**
